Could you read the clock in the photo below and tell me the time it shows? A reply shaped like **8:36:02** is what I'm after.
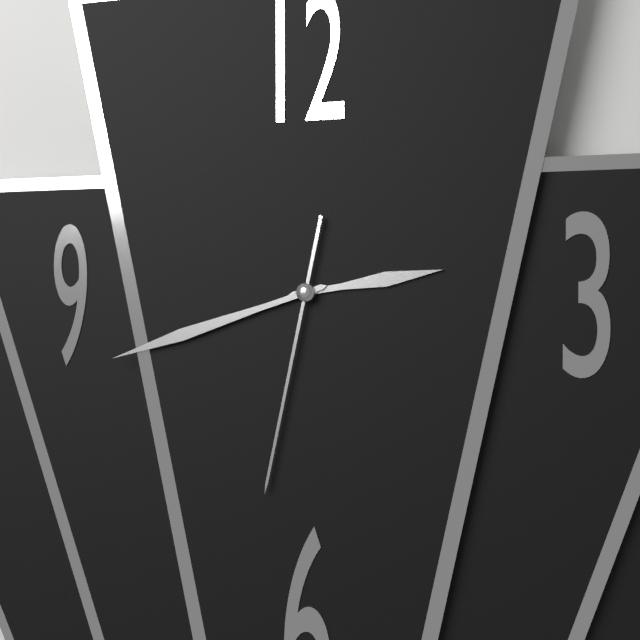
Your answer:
**2:42:32**
